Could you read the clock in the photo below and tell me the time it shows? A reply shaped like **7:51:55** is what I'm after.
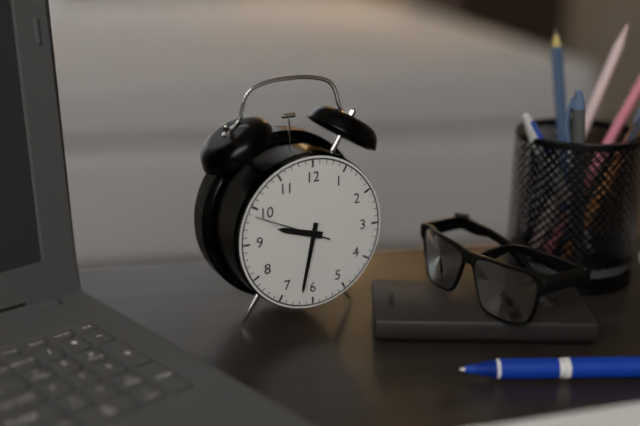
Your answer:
**9:32:49**
